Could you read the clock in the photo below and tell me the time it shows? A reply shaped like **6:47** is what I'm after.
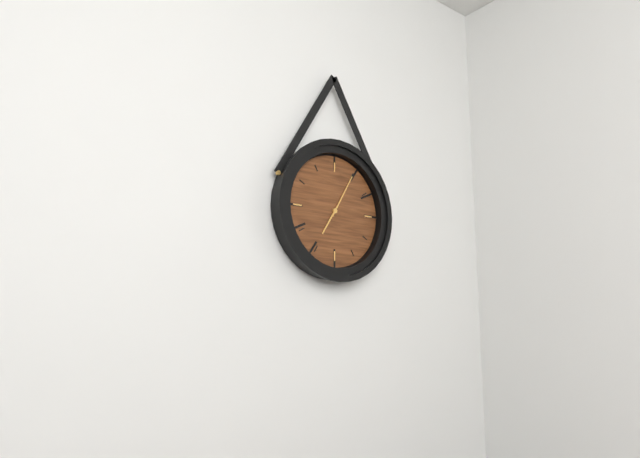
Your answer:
**7:05**
